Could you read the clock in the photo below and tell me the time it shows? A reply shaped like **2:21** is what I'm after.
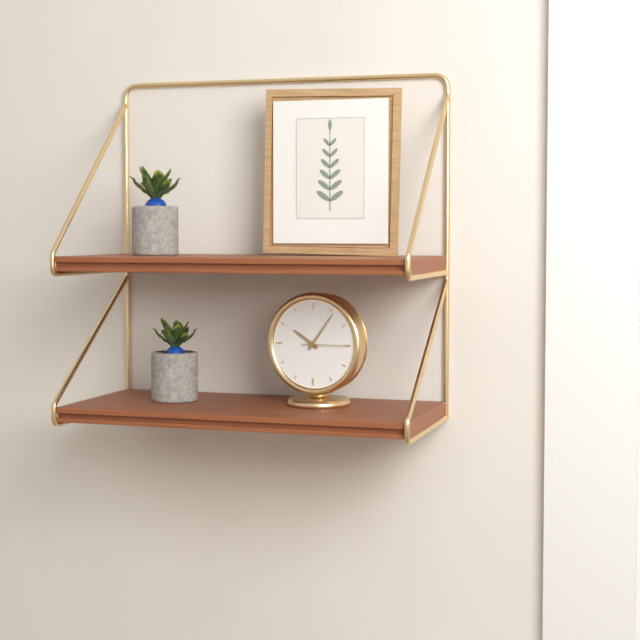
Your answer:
**10:06**
